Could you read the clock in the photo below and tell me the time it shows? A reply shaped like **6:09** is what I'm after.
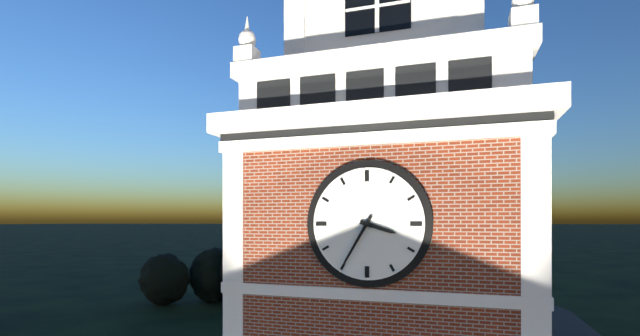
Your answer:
**3:35**
